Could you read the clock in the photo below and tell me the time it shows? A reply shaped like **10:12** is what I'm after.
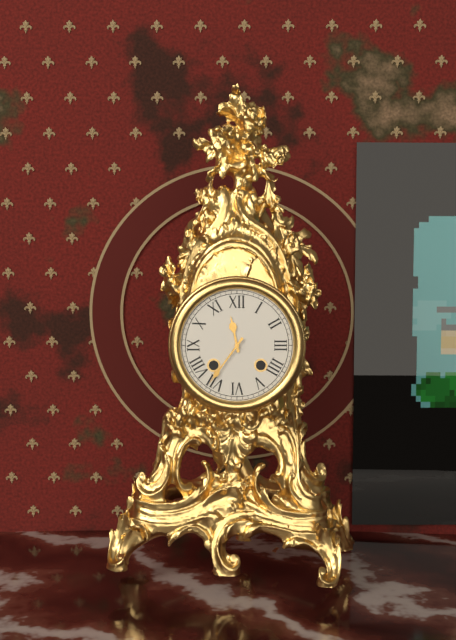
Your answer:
**11:36**
